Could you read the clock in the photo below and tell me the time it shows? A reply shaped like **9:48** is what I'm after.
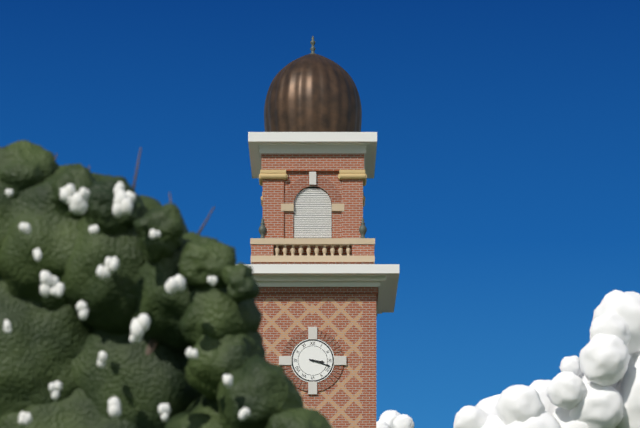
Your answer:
**3:18**
